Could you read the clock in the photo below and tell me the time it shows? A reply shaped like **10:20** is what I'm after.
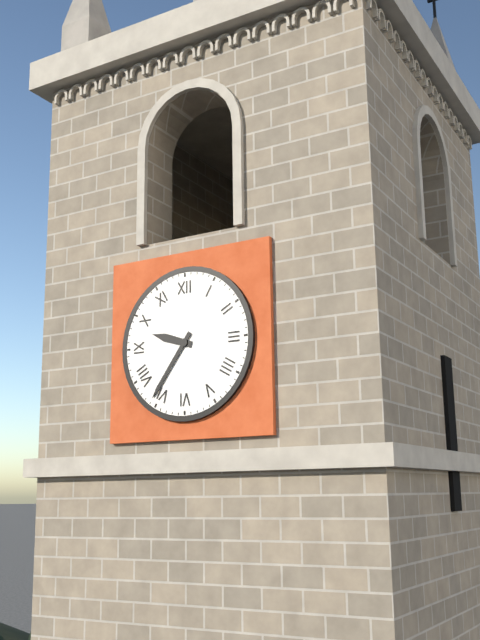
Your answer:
**9:36**
